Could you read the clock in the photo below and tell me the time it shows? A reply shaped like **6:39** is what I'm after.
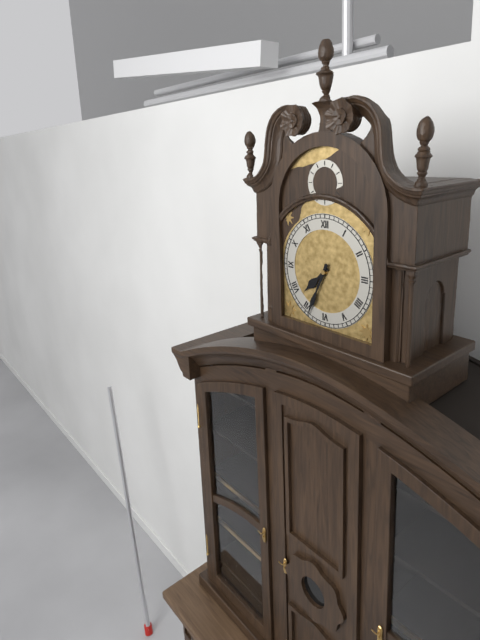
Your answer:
**7:34**
